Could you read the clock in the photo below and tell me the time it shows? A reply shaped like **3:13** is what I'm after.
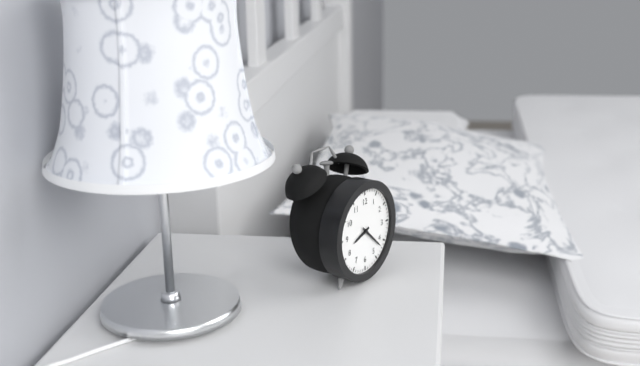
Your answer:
**8:22**
